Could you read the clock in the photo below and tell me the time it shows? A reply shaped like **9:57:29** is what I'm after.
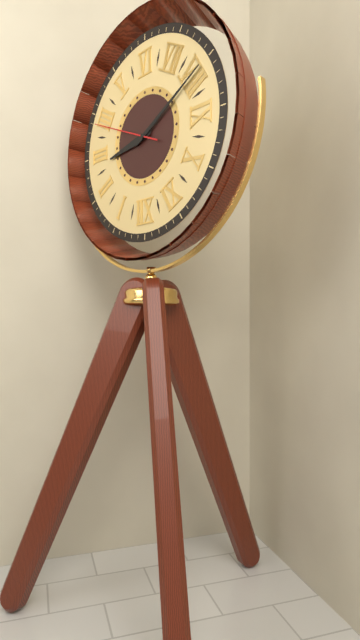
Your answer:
**2:40:19**
